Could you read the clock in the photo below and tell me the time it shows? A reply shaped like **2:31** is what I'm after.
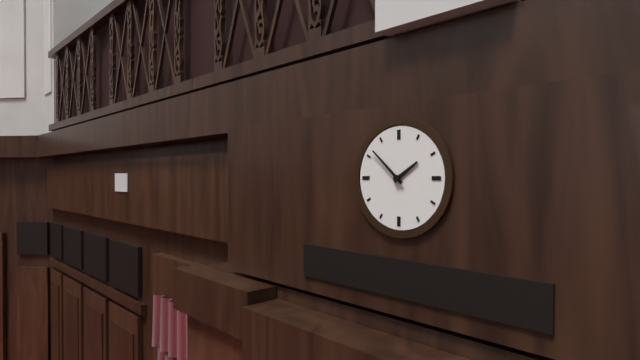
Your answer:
**1:52**
